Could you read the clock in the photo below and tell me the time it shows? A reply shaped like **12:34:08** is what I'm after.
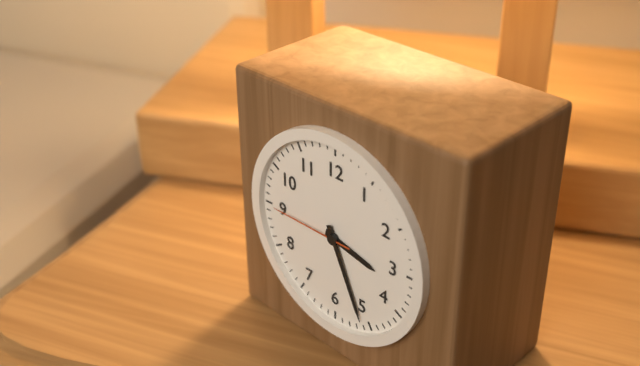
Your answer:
**3:26:45**
